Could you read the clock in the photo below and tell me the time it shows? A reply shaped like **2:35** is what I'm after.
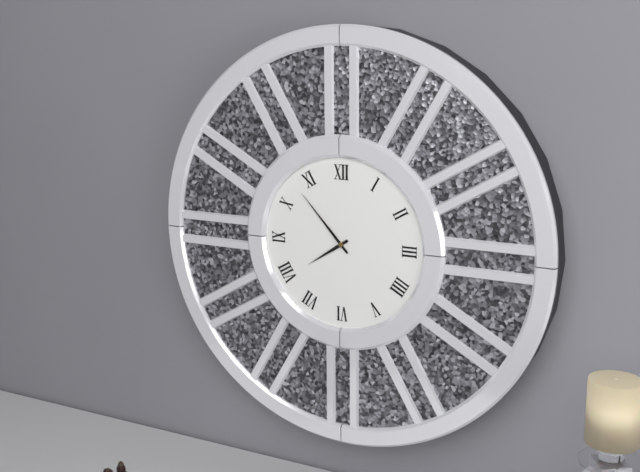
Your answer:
**7:53**
